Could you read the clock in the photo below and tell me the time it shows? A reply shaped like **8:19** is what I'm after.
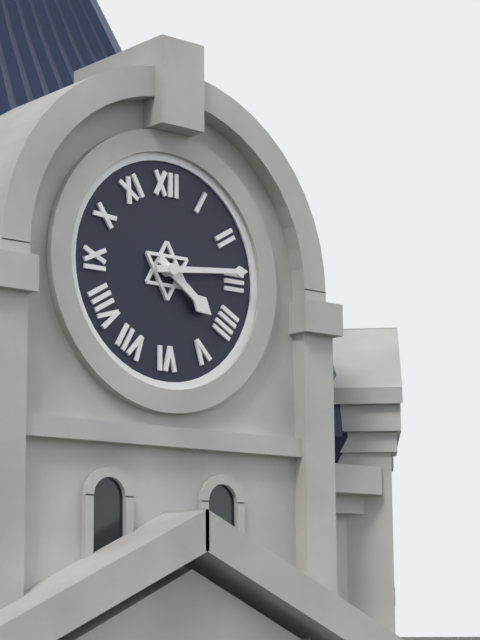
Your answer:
**4:14**
